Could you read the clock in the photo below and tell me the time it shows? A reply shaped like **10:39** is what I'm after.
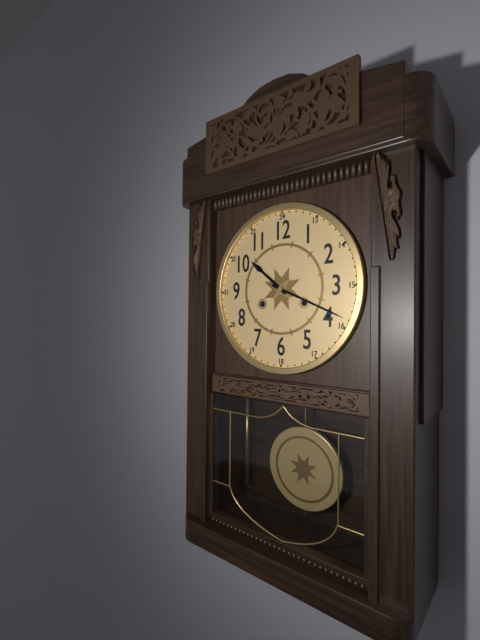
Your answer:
**10:19**
